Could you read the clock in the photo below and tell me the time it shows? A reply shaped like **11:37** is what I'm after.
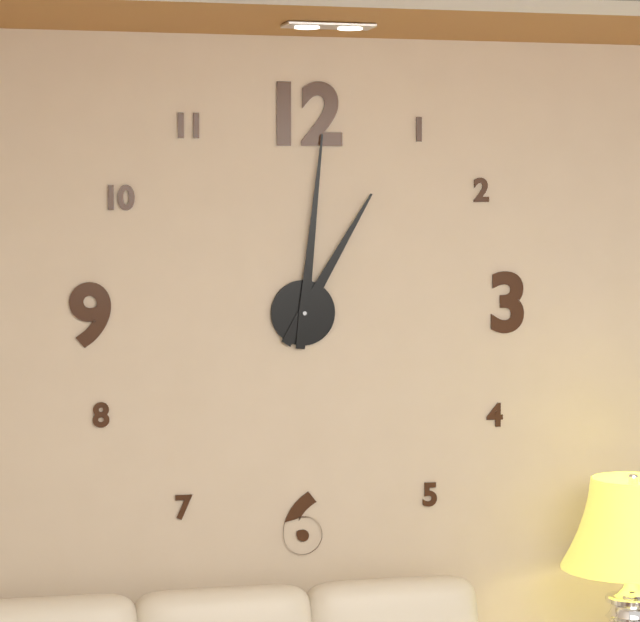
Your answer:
**1:01**
